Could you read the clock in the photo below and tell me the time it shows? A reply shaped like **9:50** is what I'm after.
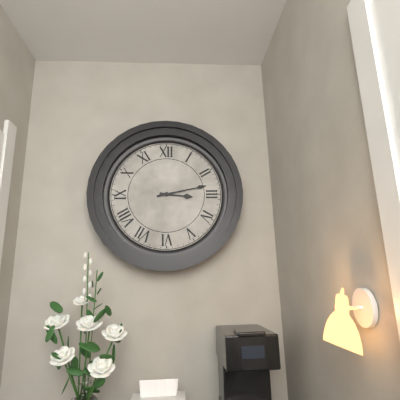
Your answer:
**3:13**
